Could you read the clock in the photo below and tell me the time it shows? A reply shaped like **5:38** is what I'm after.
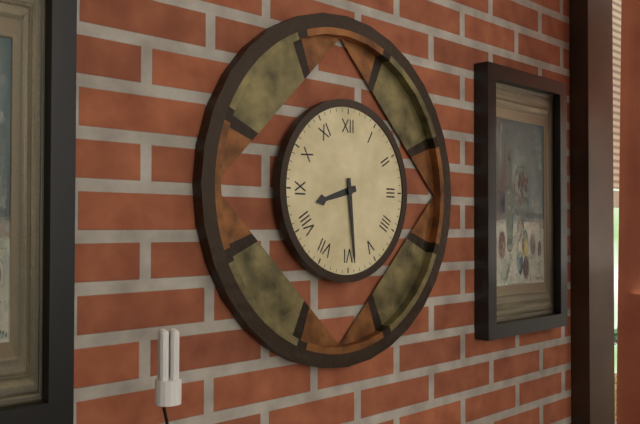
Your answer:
**8:29**
